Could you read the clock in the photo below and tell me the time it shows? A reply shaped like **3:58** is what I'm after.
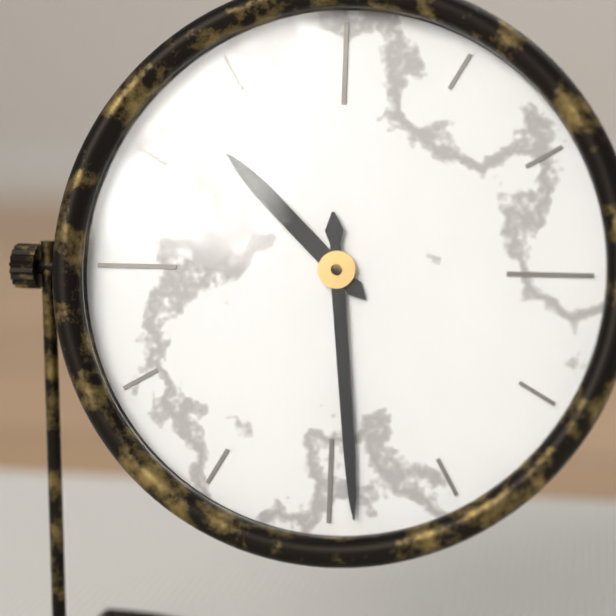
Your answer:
**10:29**
